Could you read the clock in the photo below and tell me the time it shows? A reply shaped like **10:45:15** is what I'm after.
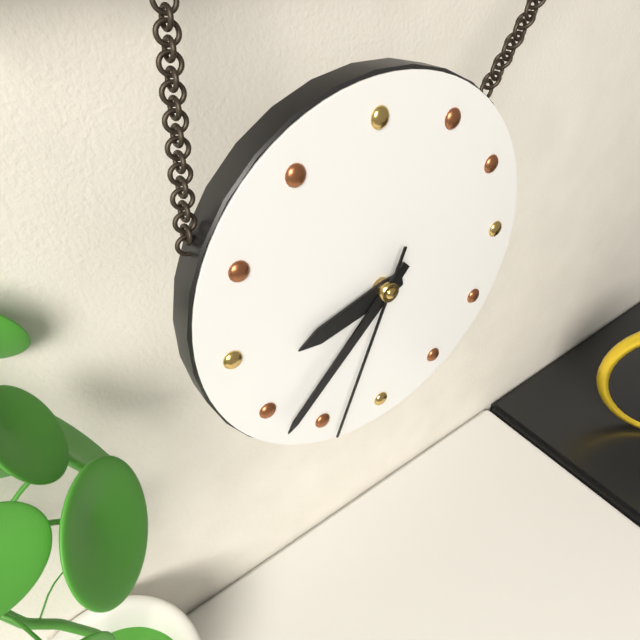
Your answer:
**8:38:34**
